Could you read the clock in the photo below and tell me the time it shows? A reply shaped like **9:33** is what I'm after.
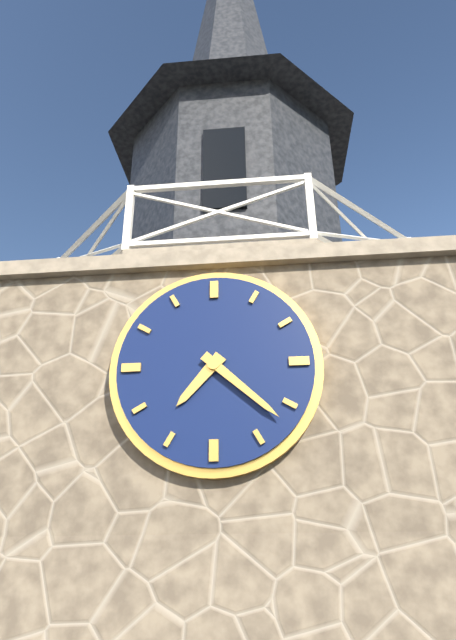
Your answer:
**7:22**
